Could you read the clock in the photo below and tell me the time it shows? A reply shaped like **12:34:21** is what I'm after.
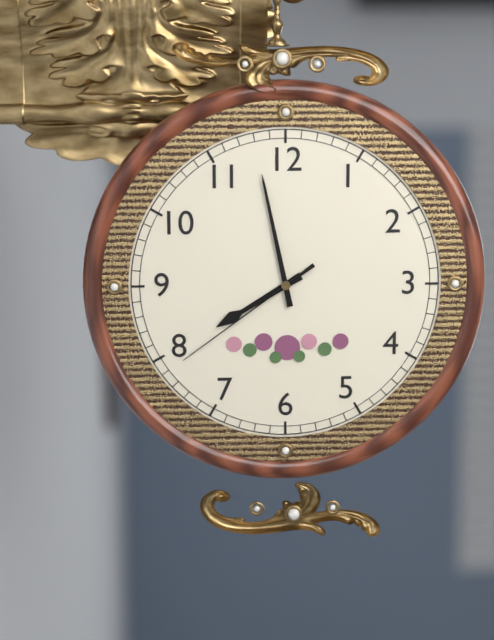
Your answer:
**7:58:39**
